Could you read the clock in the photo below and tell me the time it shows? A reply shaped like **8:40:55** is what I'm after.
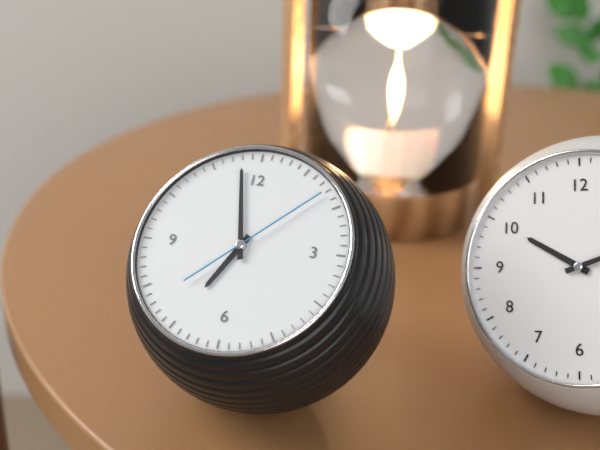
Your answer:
**6:58:08**
